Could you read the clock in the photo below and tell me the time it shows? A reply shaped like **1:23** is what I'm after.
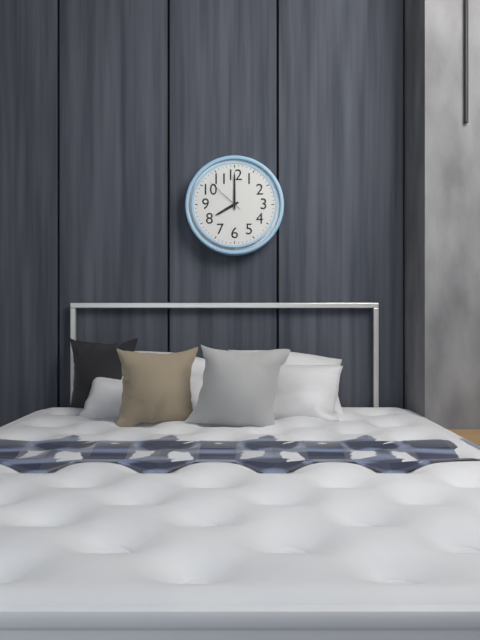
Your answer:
**8:00**
